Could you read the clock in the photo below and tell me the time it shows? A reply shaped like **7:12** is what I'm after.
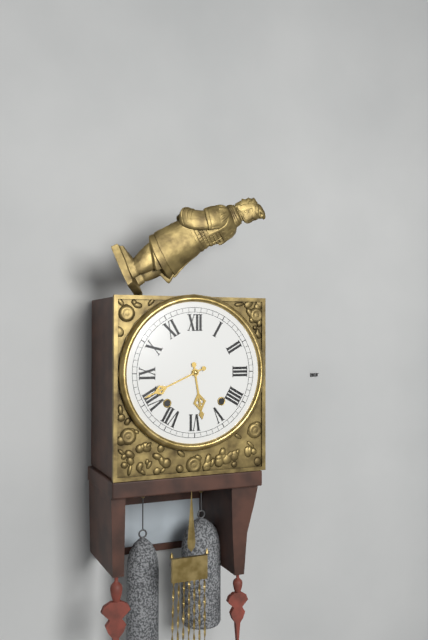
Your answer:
**5:41**
